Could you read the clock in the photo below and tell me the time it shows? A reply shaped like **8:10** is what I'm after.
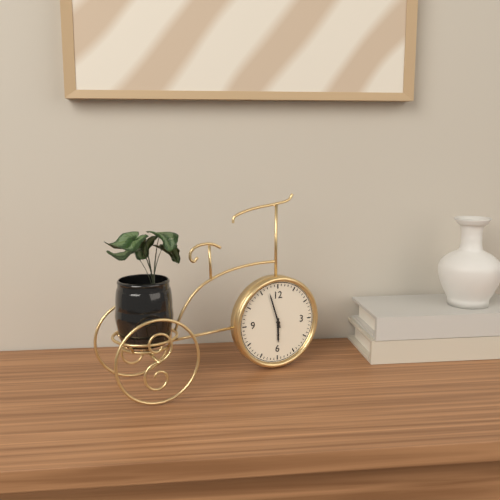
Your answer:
**5:57**
